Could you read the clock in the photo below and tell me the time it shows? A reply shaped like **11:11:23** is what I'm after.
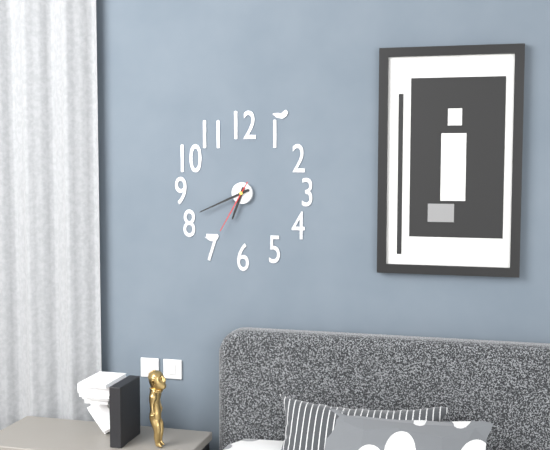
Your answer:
**6:41:35**
